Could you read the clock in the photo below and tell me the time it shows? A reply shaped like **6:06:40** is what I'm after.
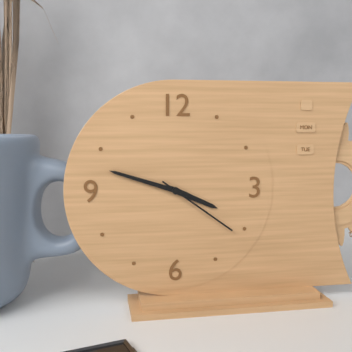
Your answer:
**3:48:21**
